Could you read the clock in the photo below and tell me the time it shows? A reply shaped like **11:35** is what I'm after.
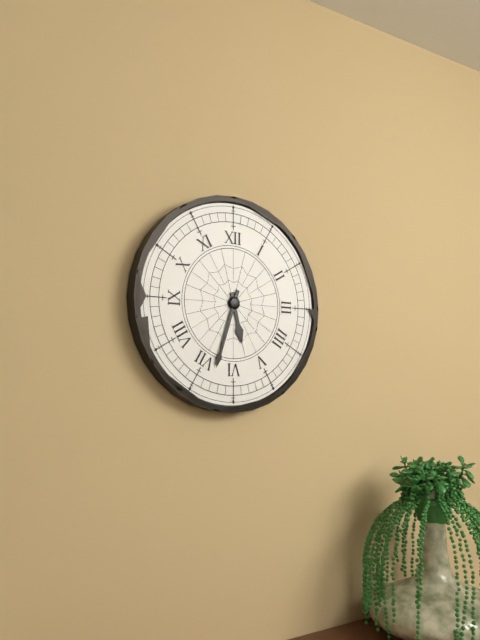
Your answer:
**5:33**
